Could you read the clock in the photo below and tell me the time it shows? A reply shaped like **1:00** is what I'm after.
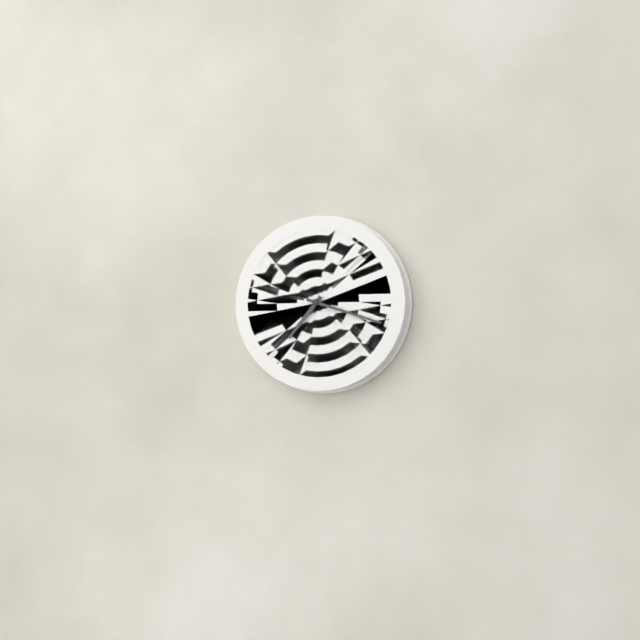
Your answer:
**7:18**
